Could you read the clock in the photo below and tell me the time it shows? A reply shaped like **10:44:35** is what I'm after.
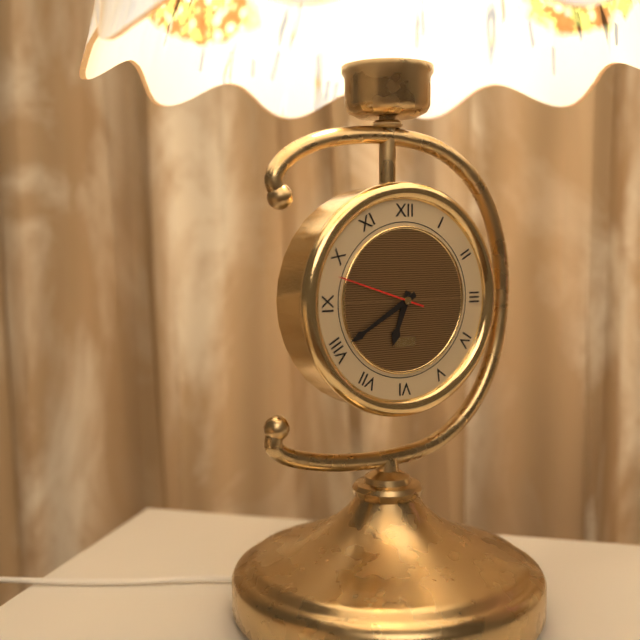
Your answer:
**6:40:48**
